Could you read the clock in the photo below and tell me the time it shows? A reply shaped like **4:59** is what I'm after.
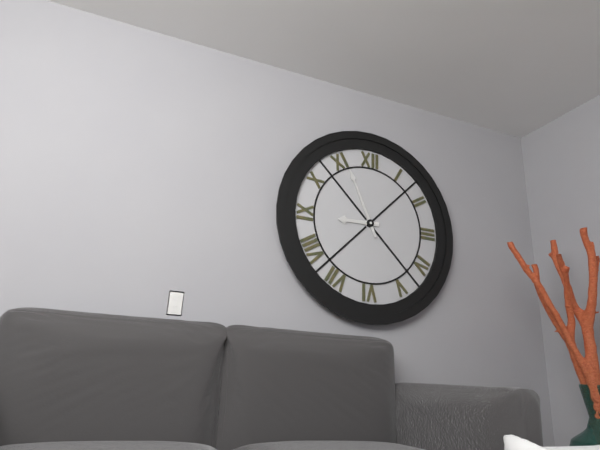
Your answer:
**8:56**
